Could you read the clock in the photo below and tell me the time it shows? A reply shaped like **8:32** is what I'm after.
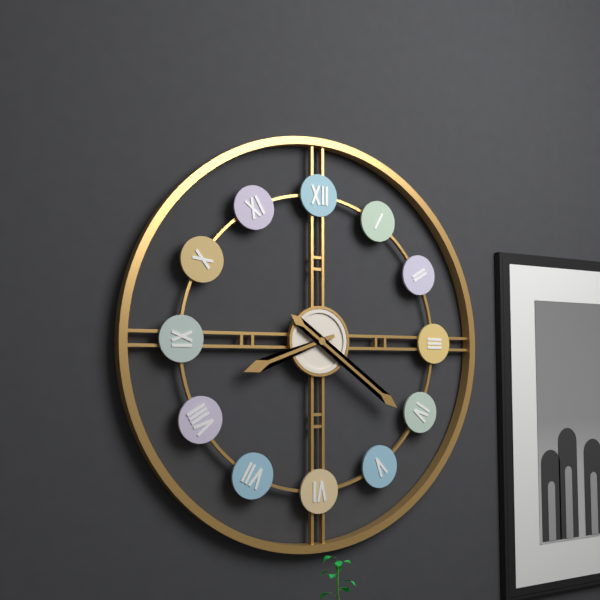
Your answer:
**8:21**
